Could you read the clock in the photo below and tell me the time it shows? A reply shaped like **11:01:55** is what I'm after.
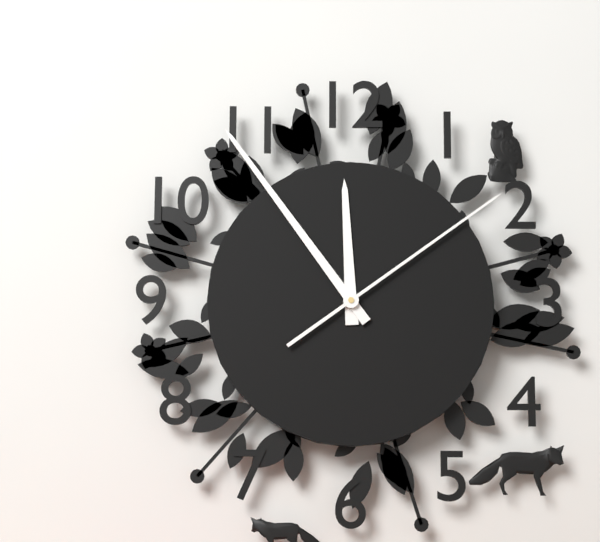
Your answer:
**11:54:09**
